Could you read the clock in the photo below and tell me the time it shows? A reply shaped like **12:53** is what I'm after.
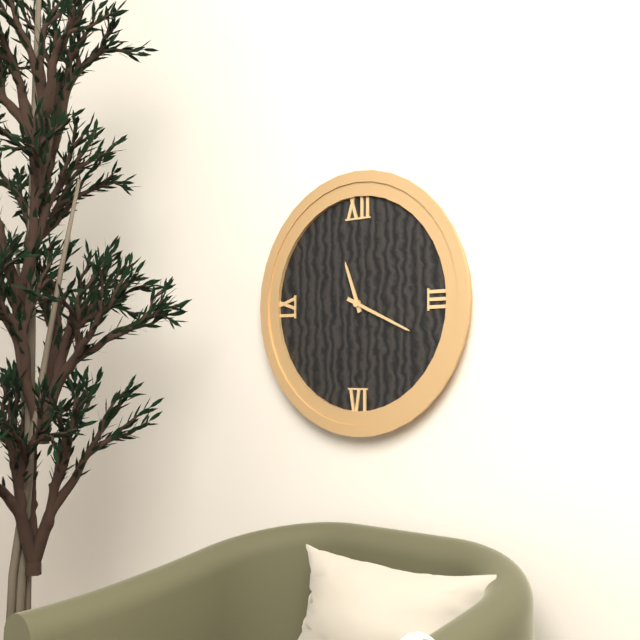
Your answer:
**11:19**
